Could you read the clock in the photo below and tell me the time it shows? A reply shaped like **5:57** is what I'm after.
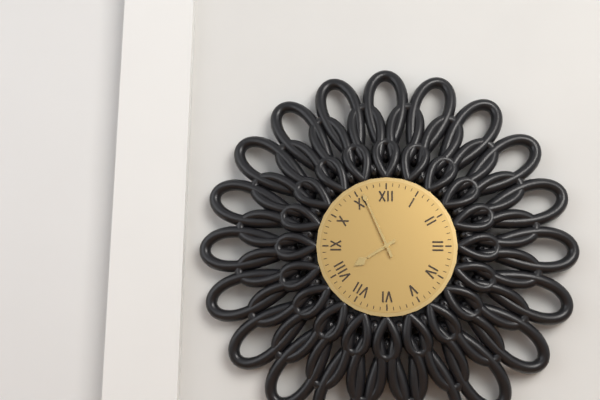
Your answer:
**7:56**
